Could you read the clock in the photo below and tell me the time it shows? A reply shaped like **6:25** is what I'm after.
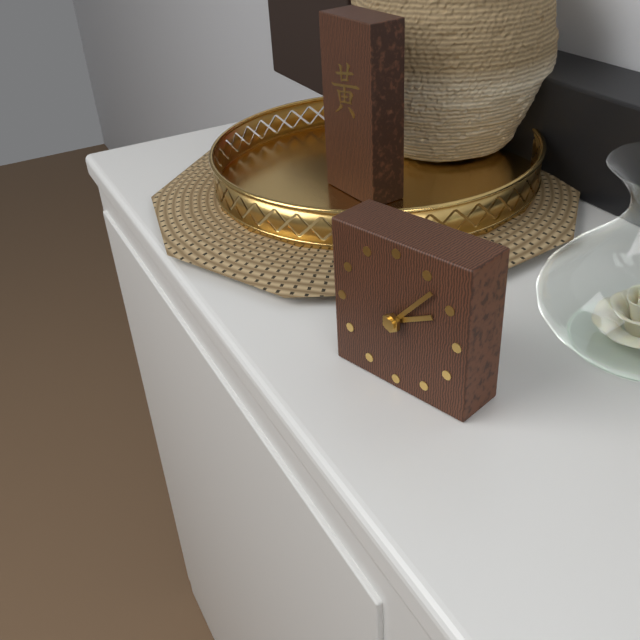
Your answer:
**2:07**
